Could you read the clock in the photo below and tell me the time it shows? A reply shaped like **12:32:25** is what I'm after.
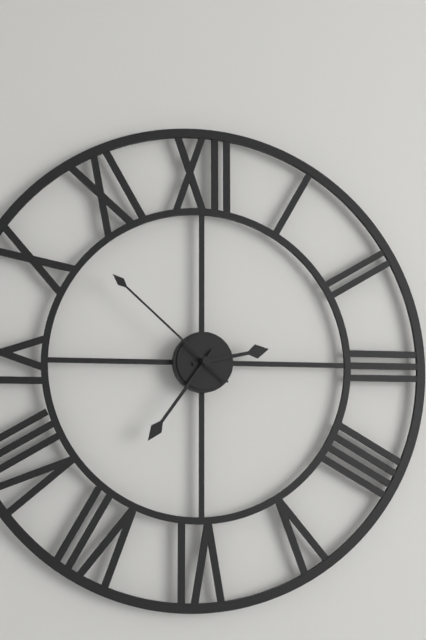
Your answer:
**2:36:52**
